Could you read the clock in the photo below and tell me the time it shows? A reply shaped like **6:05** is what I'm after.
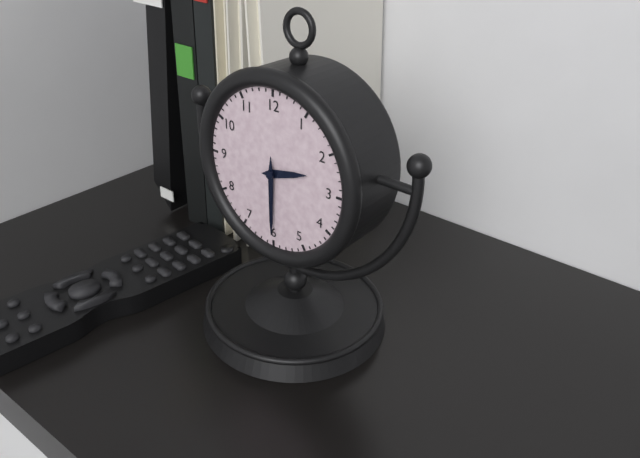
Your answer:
**2:30**
